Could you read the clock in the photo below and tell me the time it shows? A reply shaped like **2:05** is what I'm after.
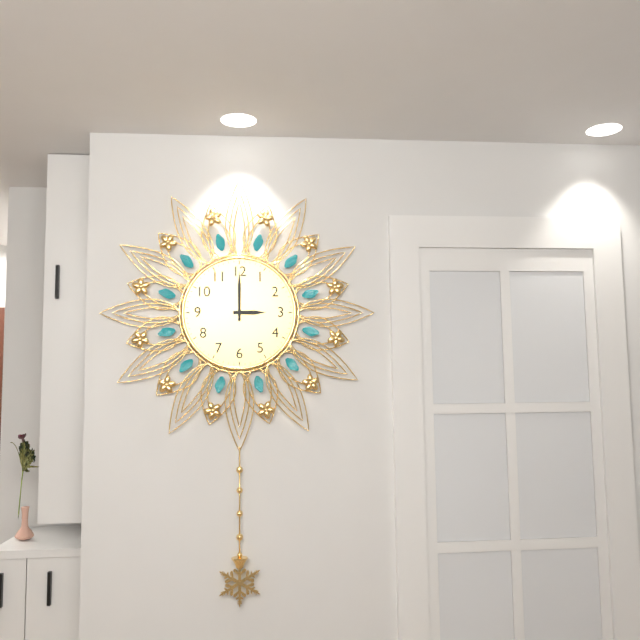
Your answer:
**3:00**
